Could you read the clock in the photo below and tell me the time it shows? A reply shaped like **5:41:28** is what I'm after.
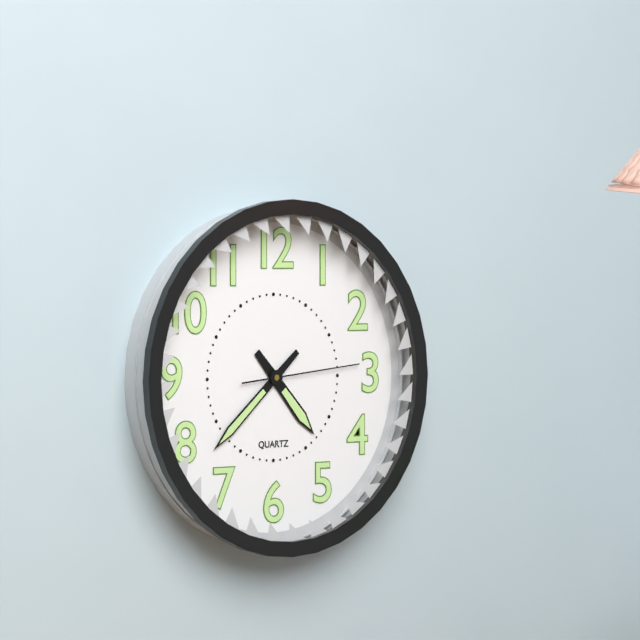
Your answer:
**4:38:14**
